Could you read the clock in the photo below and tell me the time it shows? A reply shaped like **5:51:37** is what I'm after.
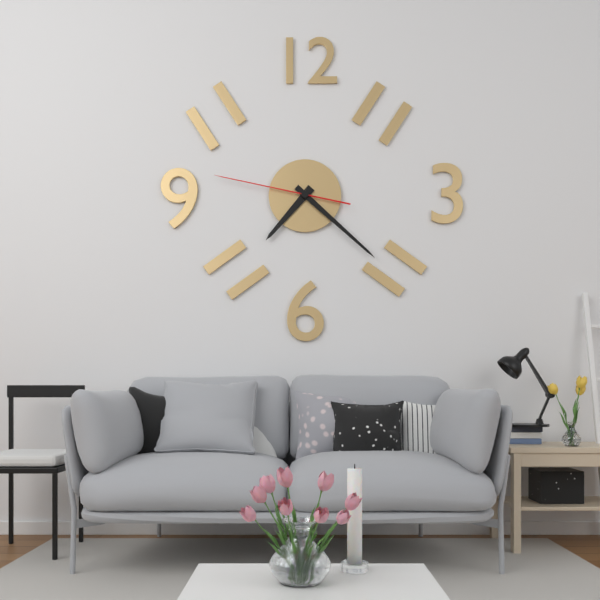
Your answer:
**7:22:47**
